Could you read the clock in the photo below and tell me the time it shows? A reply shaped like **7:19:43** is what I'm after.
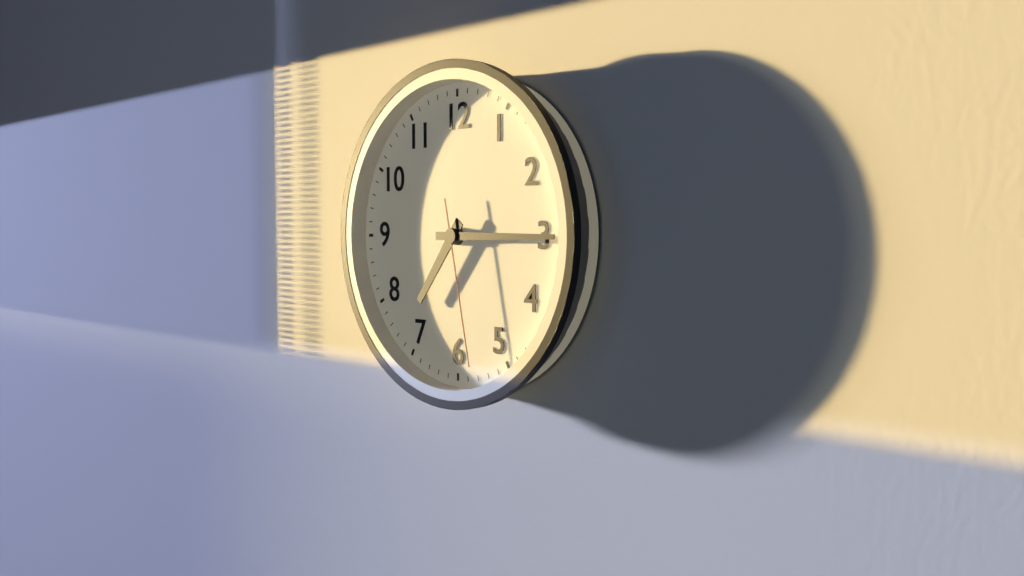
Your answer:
**7:15:28**
